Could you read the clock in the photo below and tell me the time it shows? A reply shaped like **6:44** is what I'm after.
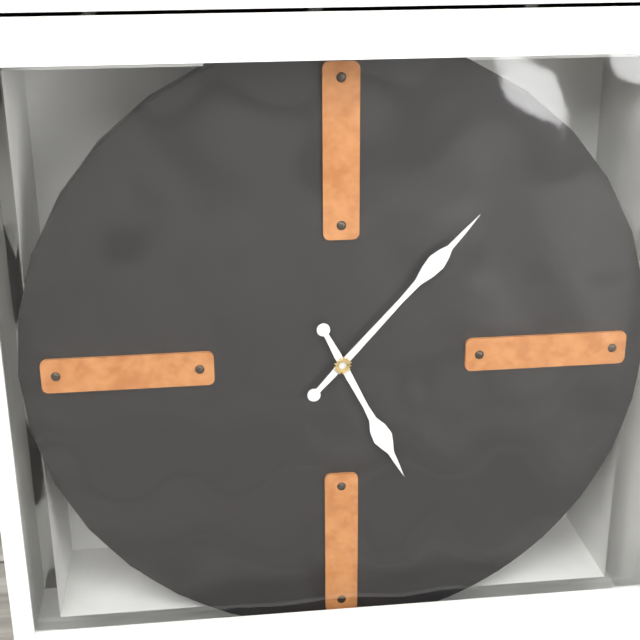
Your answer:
**5:07**
